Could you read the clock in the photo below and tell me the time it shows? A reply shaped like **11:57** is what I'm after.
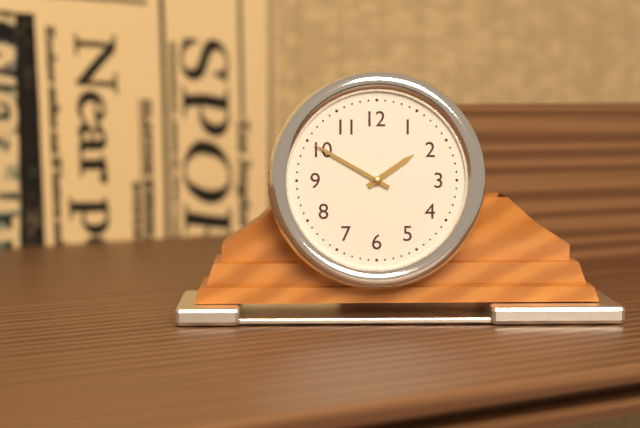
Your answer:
**1:50**
